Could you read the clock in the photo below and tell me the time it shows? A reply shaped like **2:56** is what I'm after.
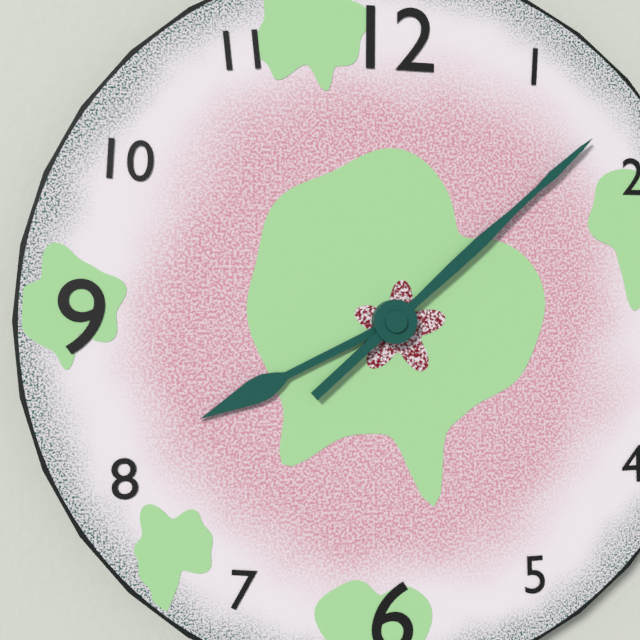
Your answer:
**8:08**
